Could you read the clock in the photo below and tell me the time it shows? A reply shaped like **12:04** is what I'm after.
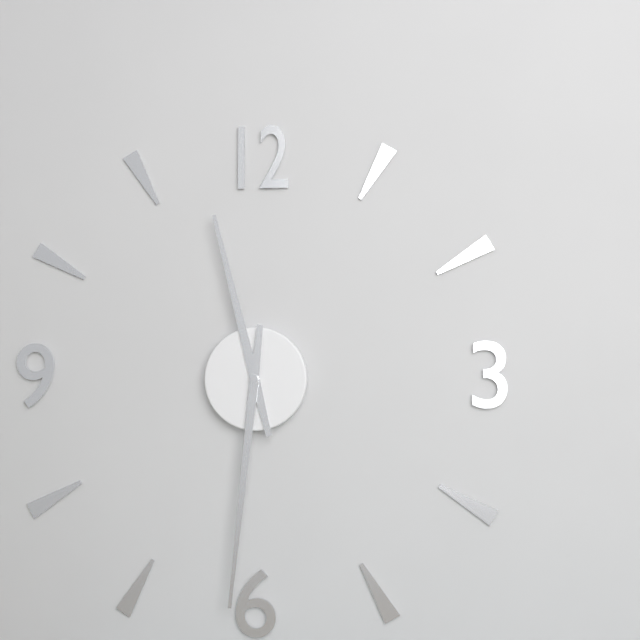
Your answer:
**11:31**
